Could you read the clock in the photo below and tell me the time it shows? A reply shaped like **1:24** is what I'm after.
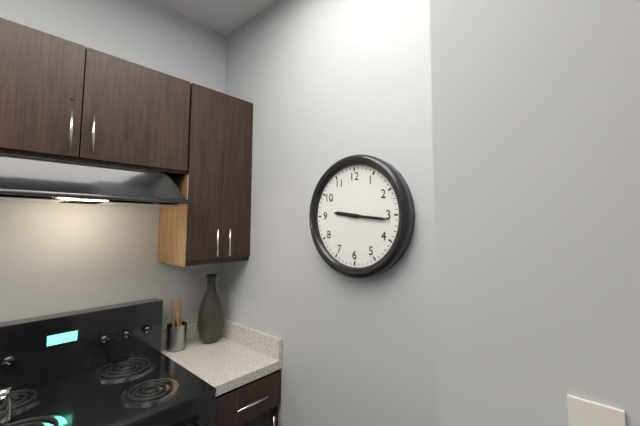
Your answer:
**9:16**
